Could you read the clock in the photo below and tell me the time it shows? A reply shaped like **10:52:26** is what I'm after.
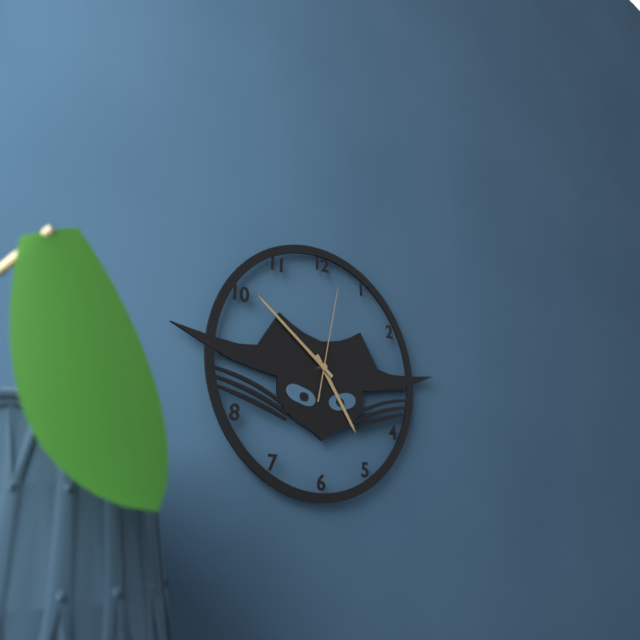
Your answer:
**4:51:02**
